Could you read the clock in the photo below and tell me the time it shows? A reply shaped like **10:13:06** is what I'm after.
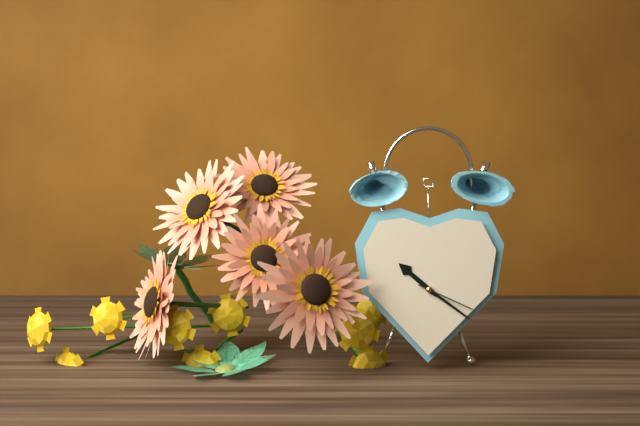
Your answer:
**10:21:19**
